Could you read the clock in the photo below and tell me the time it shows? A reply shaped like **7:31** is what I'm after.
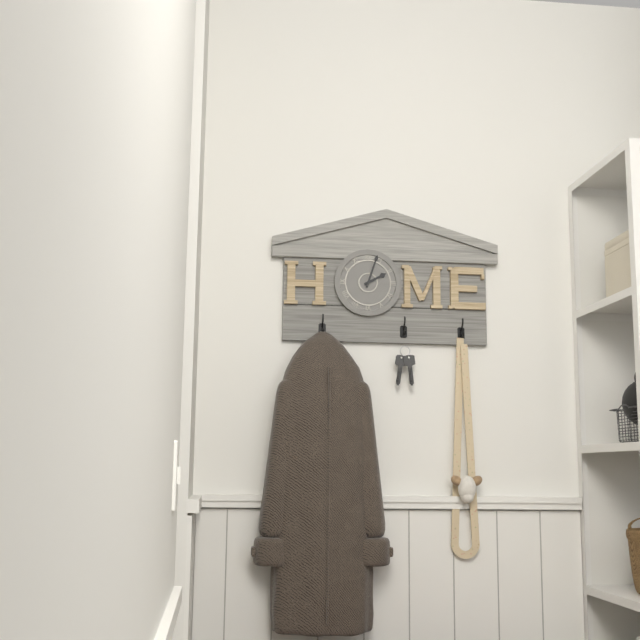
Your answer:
**2:03**
